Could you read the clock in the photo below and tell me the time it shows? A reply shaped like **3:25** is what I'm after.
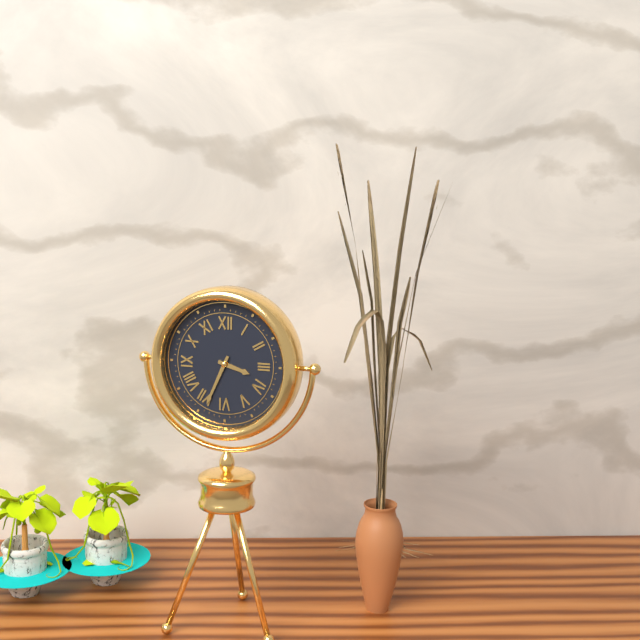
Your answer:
**3:34**
